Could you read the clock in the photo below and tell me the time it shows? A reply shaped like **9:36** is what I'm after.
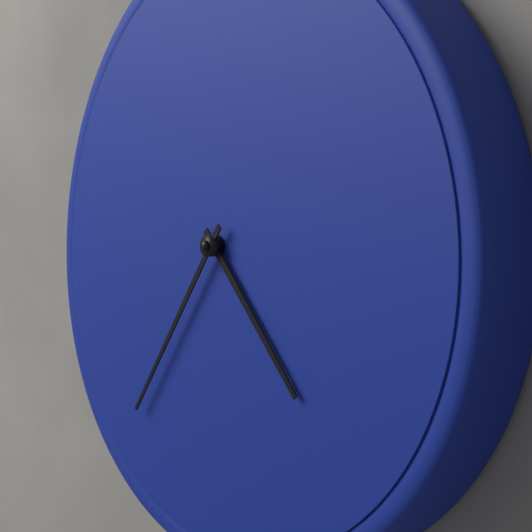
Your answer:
**4:36**
